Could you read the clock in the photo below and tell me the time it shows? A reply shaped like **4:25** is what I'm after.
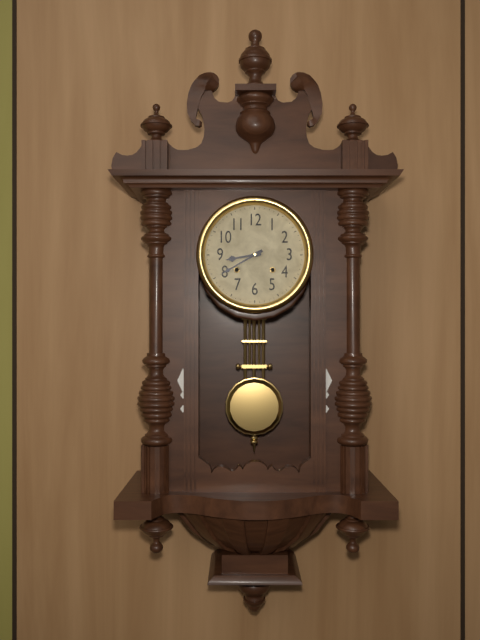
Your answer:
**8:40**
